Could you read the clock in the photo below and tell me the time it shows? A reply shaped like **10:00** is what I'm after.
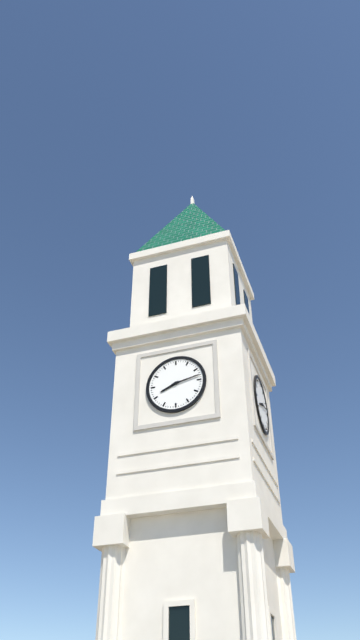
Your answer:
**8:13**
